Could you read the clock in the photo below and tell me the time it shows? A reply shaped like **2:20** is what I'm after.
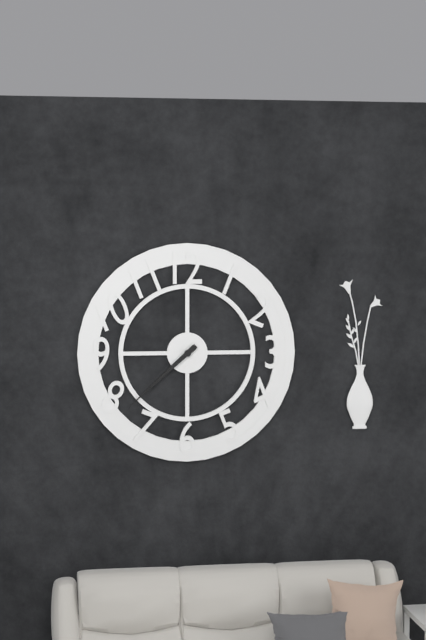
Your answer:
**7:38**
